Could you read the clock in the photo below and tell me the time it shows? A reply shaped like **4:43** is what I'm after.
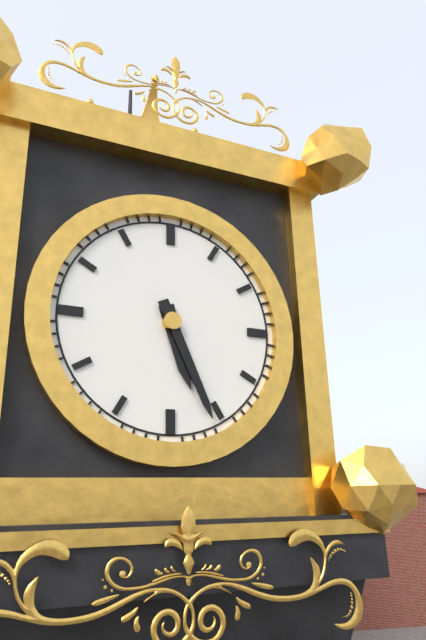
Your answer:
**5:26**
